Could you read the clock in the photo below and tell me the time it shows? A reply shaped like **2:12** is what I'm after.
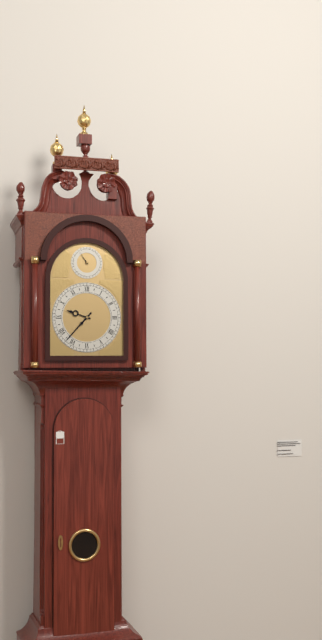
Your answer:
**9:37**
